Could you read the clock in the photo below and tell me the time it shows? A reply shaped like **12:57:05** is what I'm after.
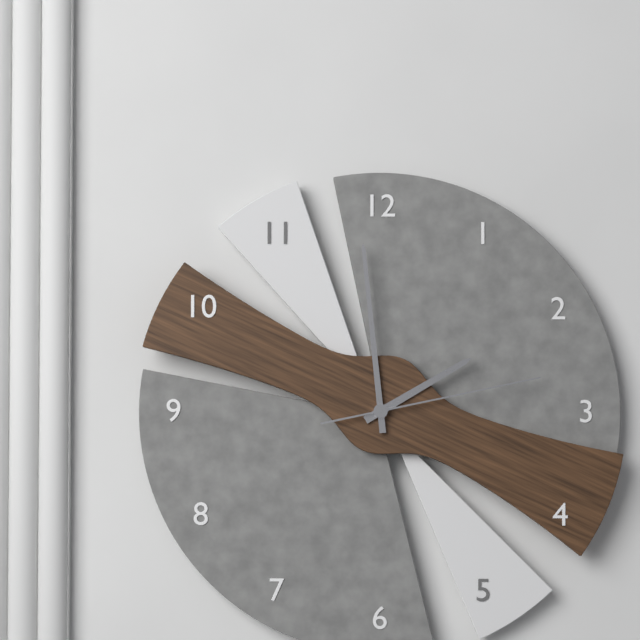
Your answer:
**1:59:13**
